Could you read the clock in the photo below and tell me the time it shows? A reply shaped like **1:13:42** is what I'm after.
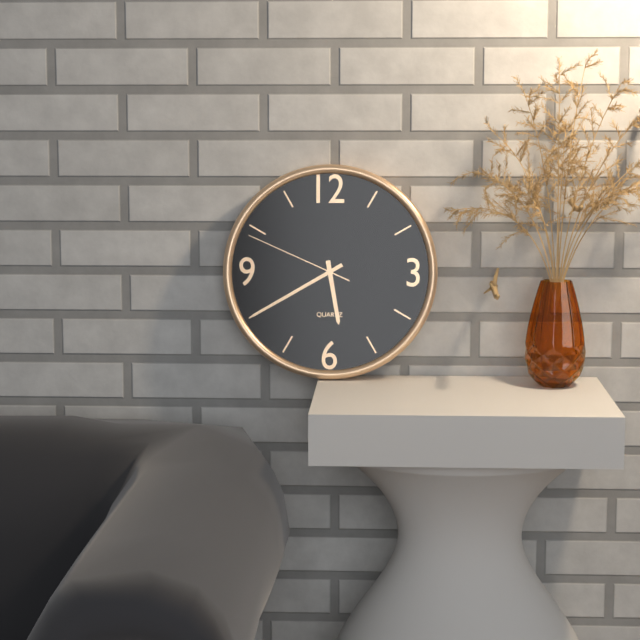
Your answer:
**5:40:49**
